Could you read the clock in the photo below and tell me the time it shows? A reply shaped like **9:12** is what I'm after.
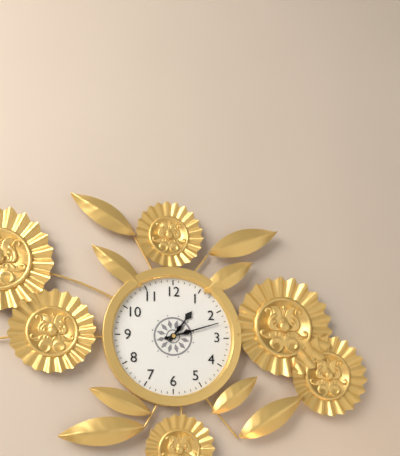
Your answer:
**1:12**
